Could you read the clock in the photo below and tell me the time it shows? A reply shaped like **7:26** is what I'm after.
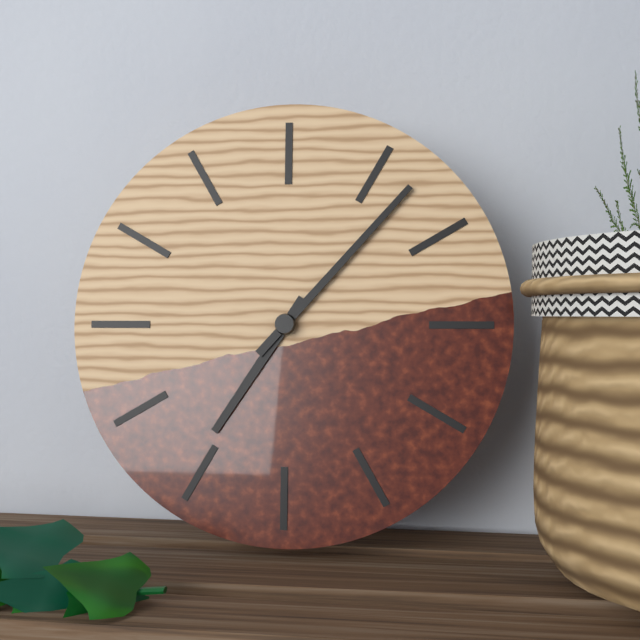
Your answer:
**7:07**
